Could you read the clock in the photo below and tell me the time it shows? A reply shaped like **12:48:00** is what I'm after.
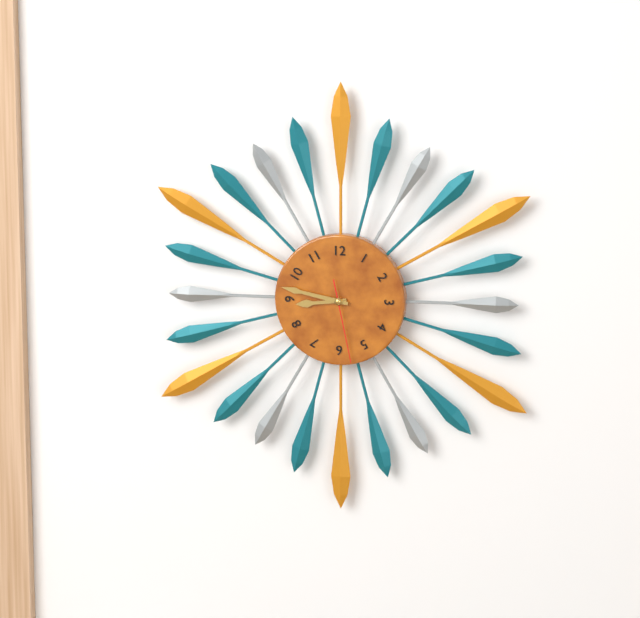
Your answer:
**8:47:28**
